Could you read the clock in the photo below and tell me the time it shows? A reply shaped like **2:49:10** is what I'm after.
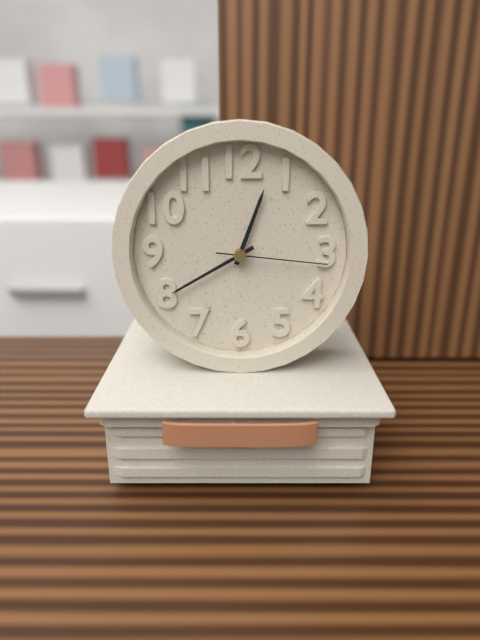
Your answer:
**12:40:16**
